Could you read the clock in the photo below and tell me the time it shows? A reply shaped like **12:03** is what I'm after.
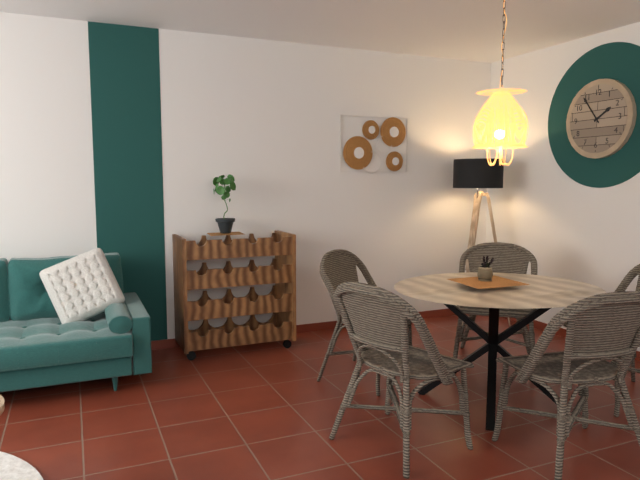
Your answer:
**1:54**
